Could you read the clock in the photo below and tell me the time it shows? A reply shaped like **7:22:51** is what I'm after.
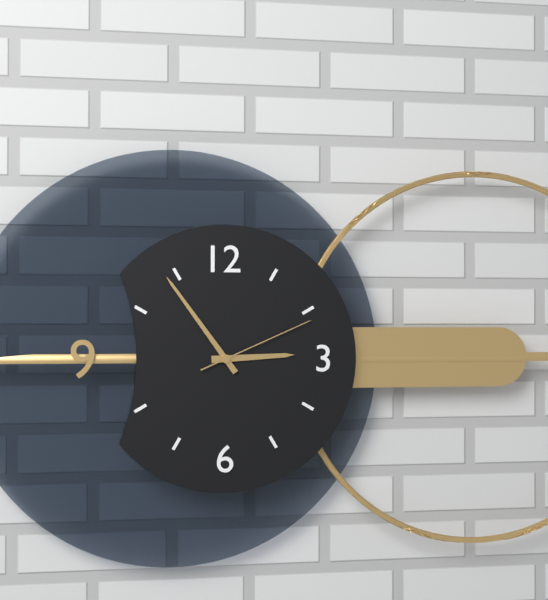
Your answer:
**2:54:11**
